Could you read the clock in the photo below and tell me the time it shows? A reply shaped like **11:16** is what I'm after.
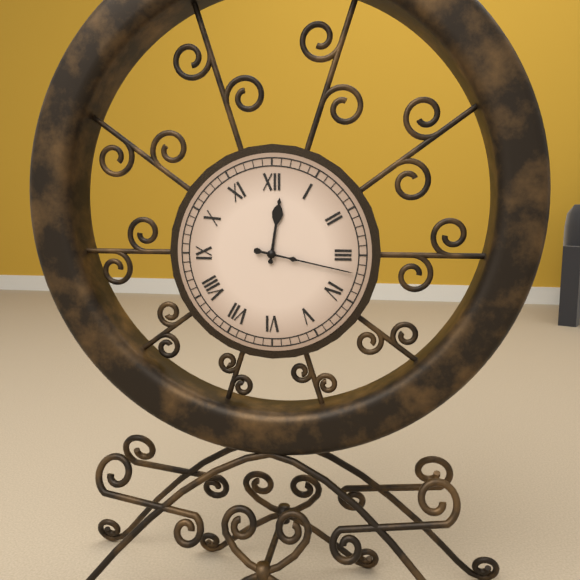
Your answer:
**12:17**
